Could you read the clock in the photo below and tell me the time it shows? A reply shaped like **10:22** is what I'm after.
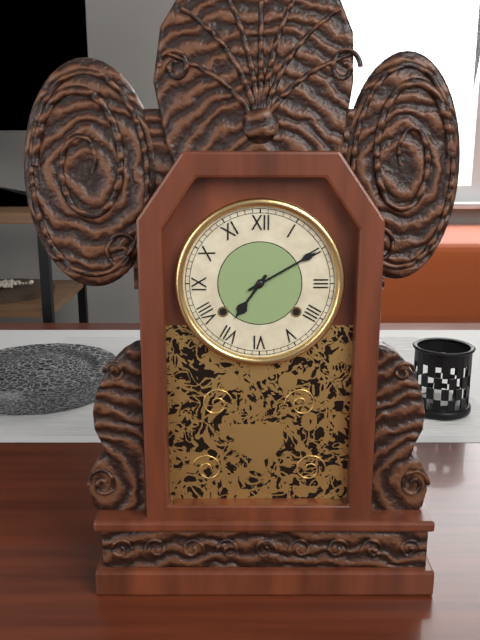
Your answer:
**7:10**
